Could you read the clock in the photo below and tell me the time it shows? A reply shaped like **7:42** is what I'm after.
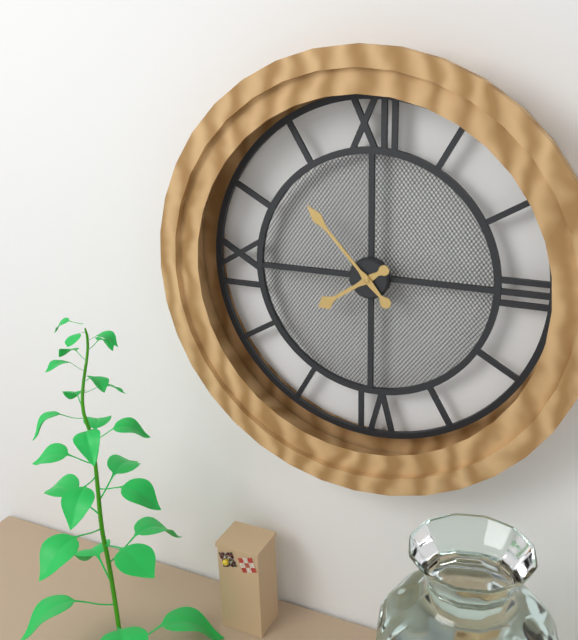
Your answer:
**7:53**
